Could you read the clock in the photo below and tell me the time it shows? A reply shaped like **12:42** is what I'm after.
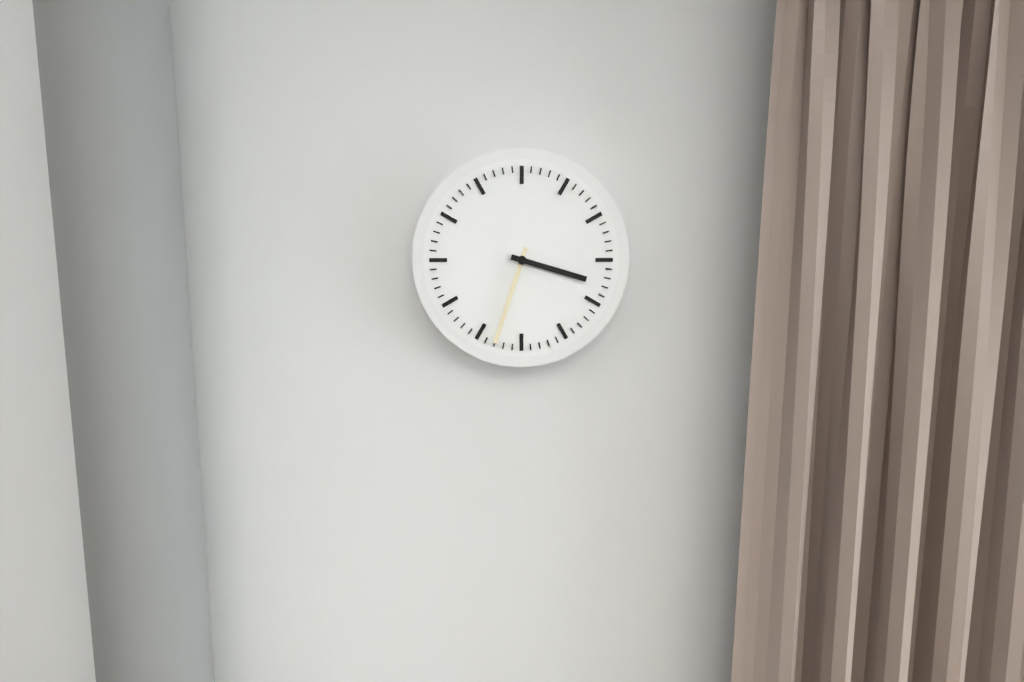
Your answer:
**3:33**
